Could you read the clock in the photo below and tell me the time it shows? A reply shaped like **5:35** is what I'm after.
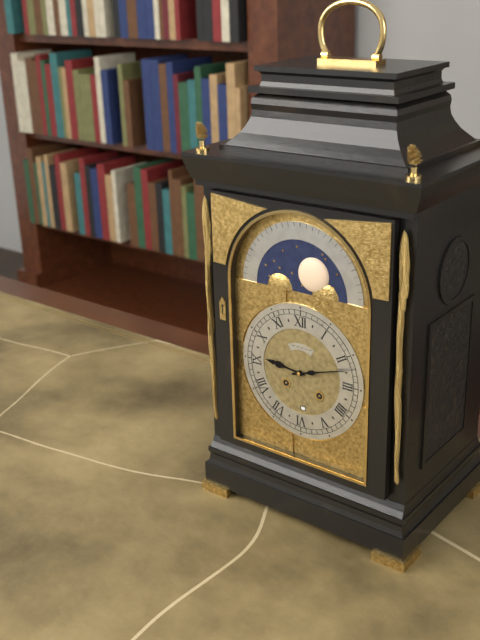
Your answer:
**9:12**
